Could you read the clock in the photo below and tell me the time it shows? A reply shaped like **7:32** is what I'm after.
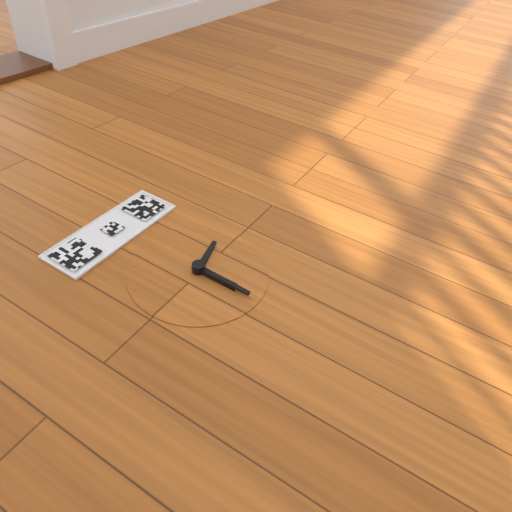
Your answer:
**2:30**
